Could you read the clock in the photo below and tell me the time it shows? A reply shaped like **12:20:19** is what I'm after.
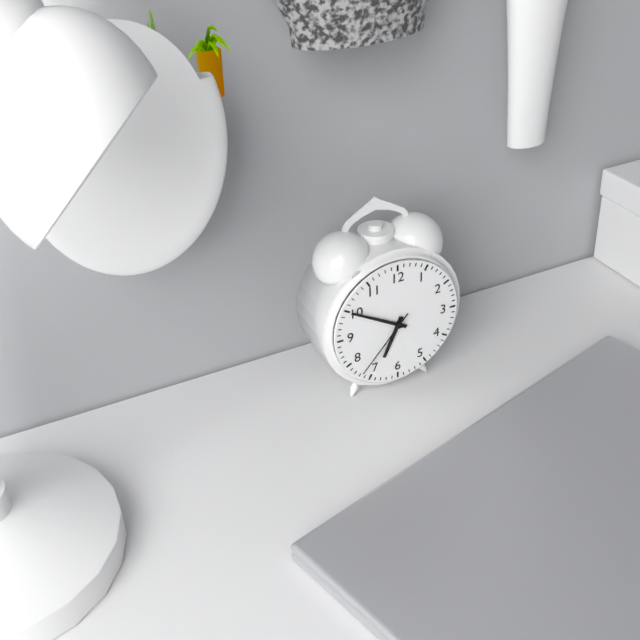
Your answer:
**6:50:37**
